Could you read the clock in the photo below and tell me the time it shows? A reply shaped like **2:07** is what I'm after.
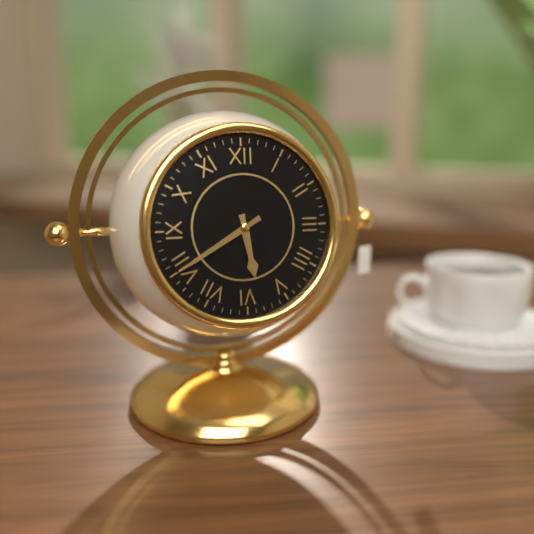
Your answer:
**5:40**
